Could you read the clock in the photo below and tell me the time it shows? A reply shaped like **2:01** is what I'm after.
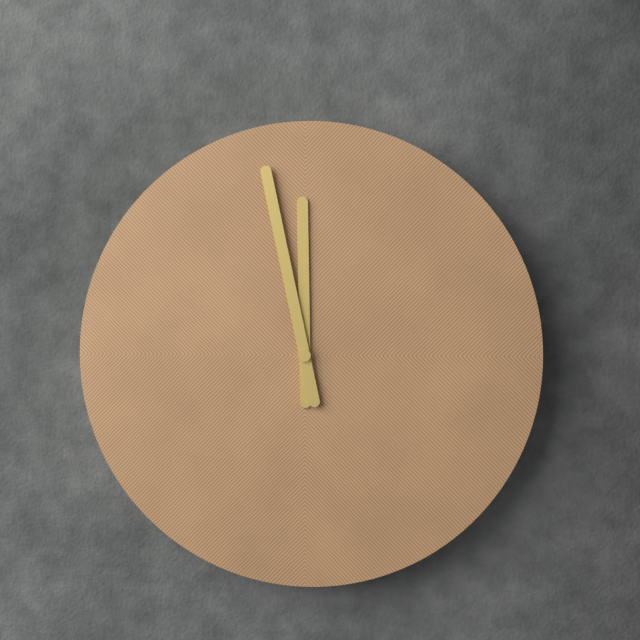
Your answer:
**11:58**
